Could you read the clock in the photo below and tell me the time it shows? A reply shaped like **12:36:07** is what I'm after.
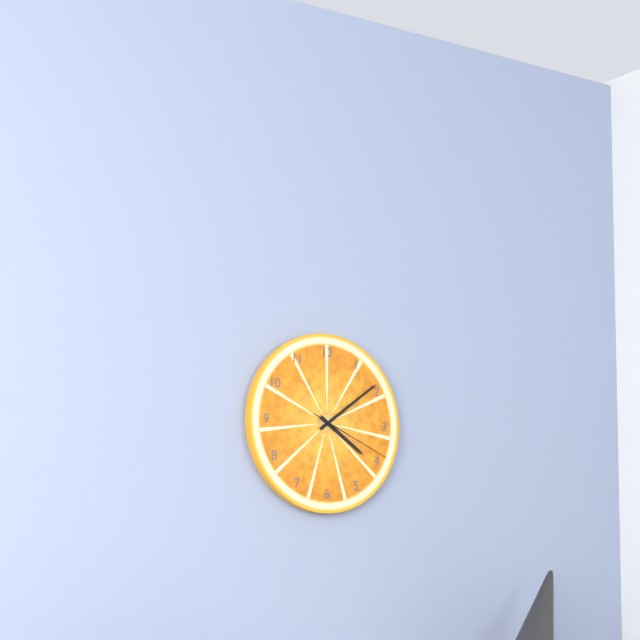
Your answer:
**4:09:19**
